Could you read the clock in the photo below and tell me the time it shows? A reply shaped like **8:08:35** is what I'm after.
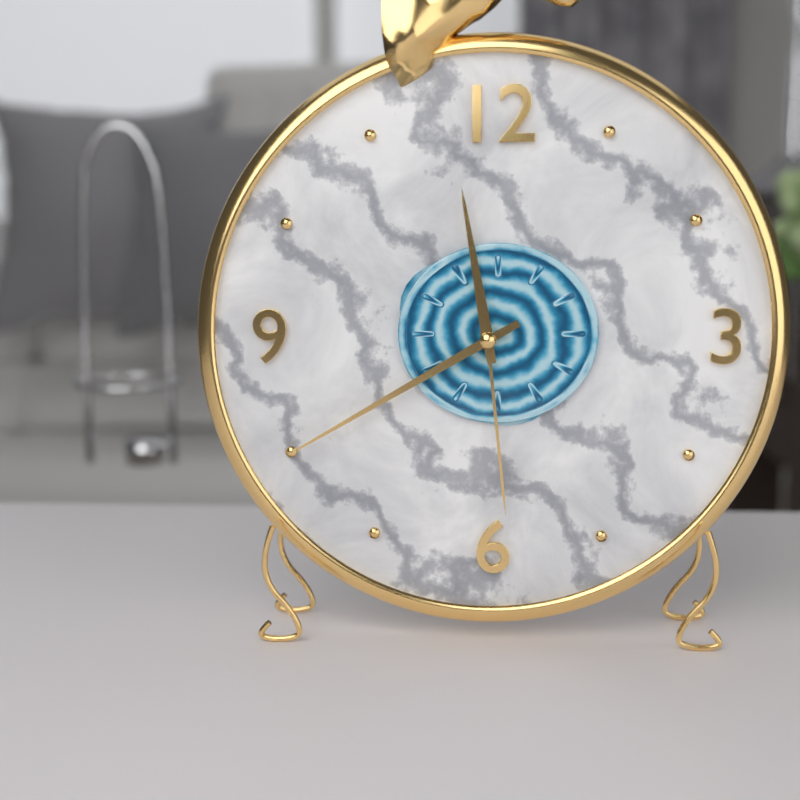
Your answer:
**11:40:29**
